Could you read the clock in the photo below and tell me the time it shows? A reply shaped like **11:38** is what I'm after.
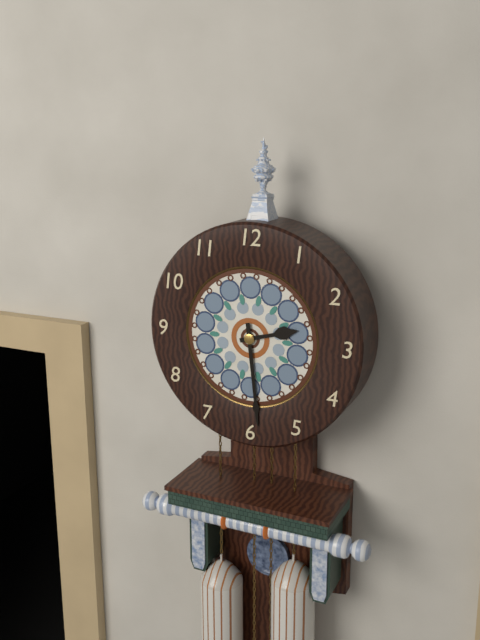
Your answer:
**2:29**
